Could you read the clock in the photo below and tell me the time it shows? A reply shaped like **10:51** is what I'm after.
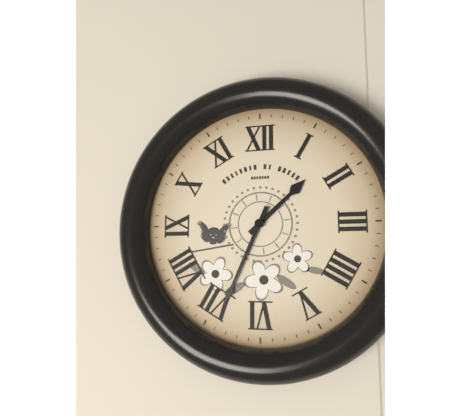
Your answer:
**1:34**
